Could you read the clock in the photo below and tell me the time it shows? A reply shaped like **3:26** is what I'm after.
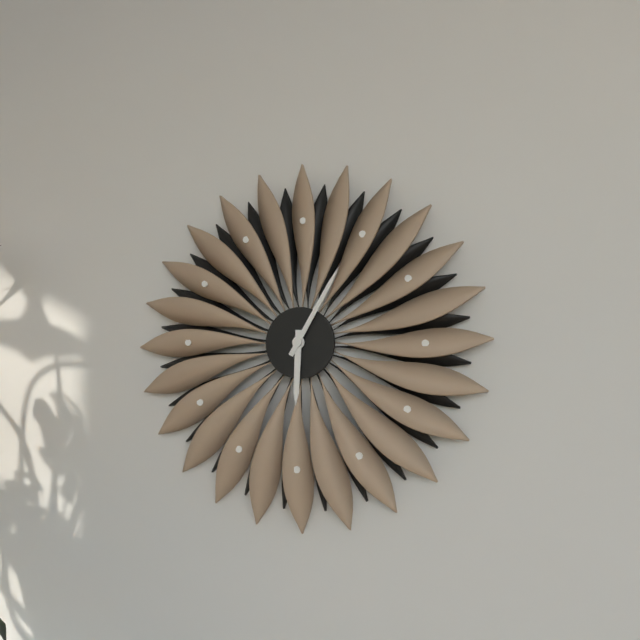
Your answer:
**6:05**
